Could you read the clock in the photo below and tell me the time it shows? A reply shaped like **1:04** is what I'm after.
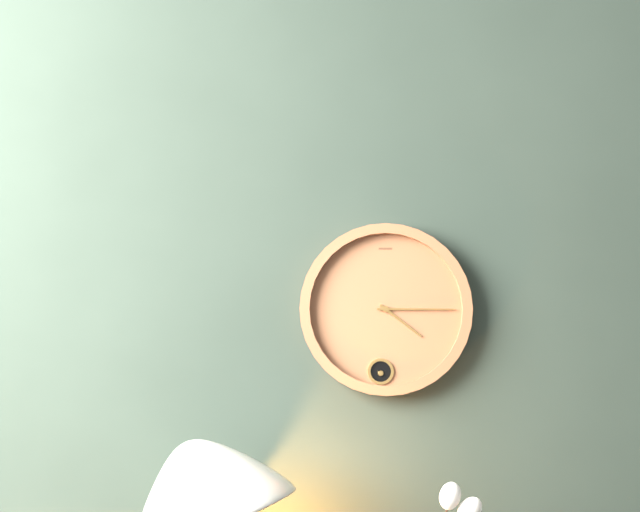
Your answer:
**4:15**
